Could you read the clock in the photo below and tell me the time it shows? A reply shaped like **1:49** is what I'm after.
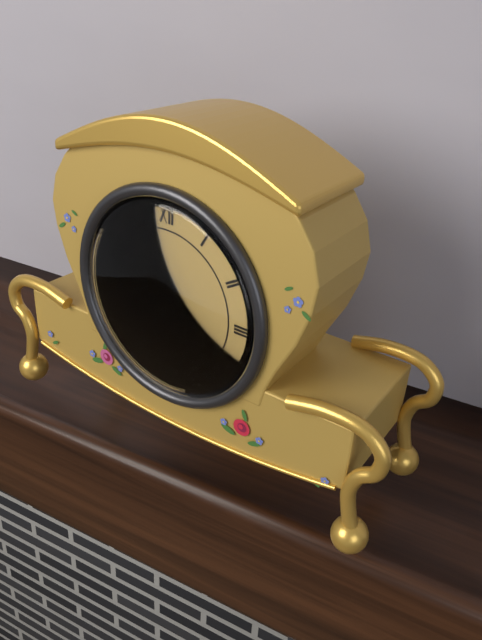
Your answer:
**10:42**
